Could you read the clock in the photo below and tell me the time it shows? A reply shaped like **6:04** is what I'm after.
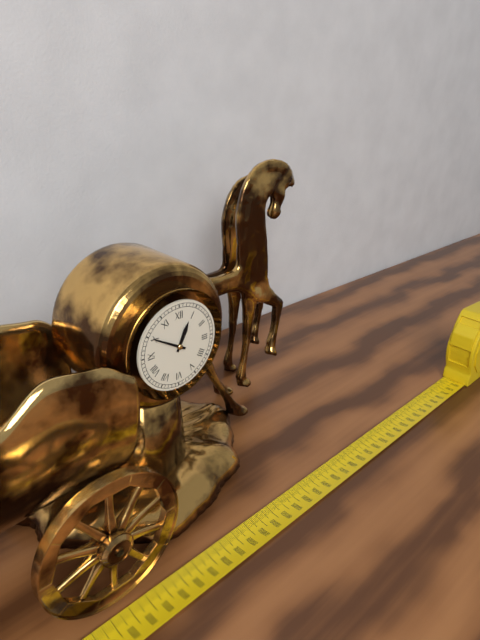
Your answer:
**12:50**
